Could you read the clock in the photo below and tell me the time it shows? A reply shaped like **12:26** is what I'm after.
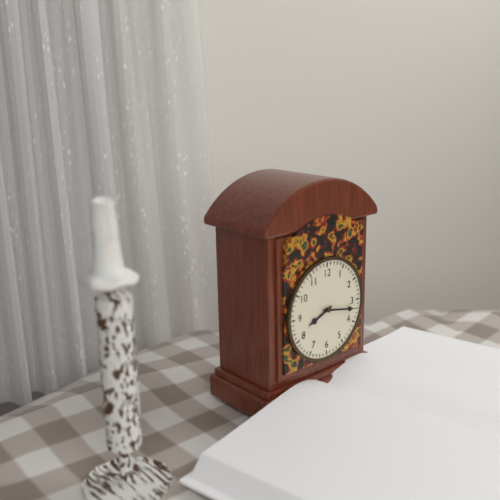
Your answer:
**8:17**
